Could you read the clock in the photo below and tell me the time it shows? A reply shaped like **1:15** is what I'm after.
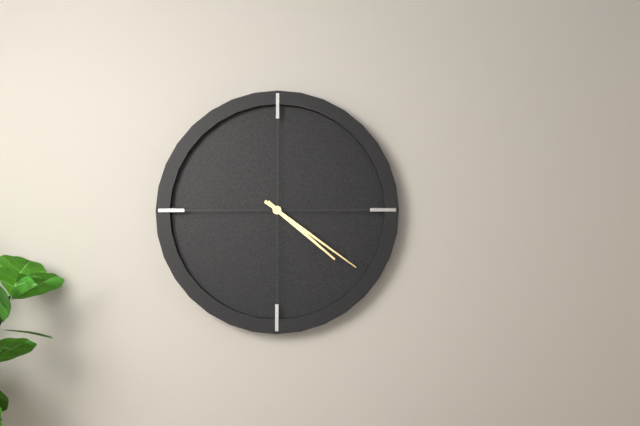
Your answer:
**4:21**
